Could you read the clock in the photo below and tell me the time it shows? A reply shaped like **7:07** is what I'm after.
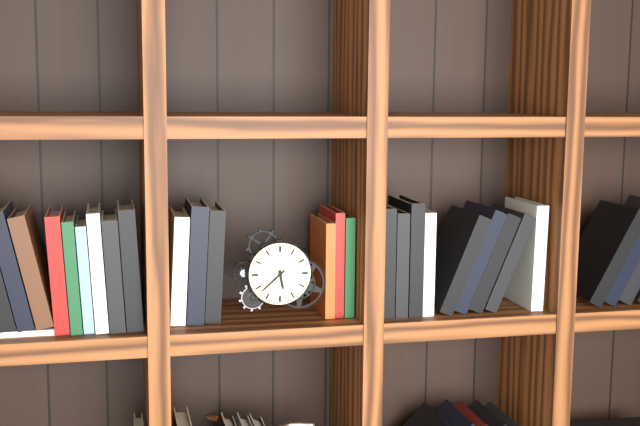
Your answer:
**5:38**
